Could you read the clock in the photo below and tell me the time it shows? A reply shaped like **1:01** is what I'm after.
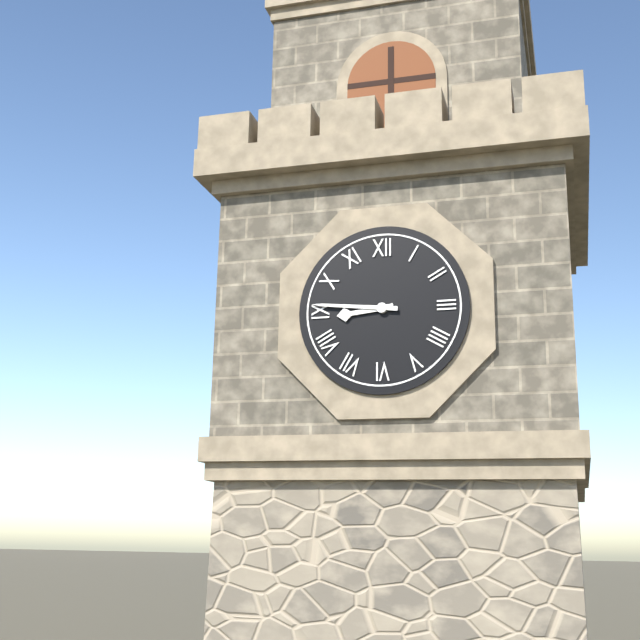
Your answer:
**8:46**
